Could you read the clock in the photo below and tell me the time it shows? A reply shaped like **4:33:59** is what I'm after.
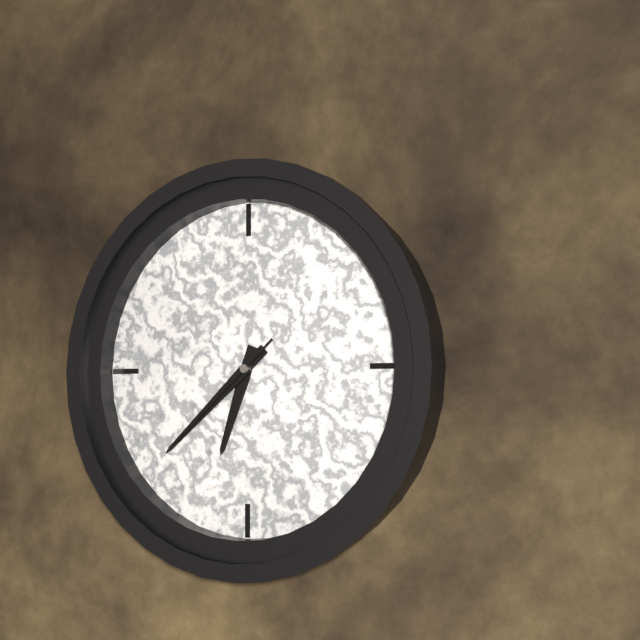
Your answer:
**6:38:38**
